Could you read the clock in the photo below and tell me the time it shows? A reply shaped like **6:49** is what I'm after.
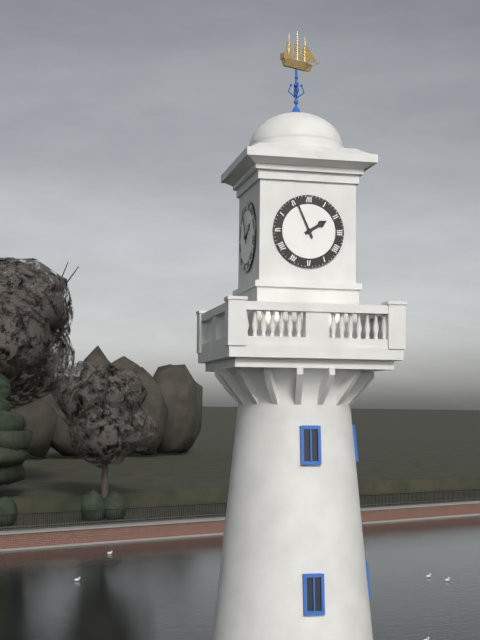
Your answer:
**1:56**
